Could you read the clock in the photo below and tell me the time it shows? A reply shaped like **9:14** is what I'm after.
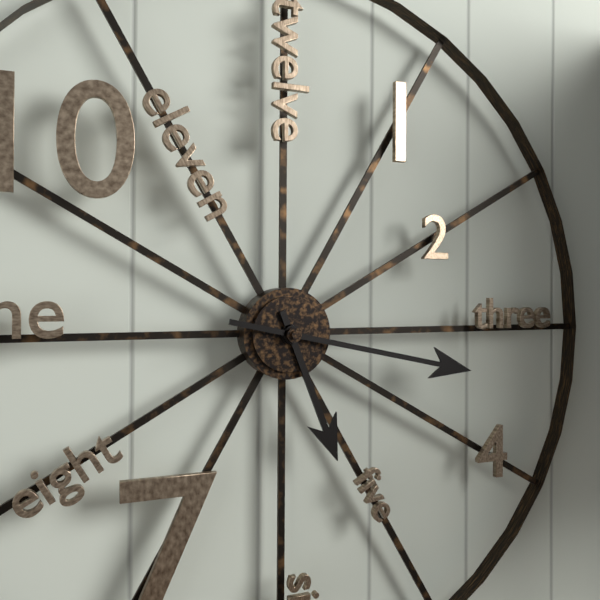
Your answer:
**5:17**
